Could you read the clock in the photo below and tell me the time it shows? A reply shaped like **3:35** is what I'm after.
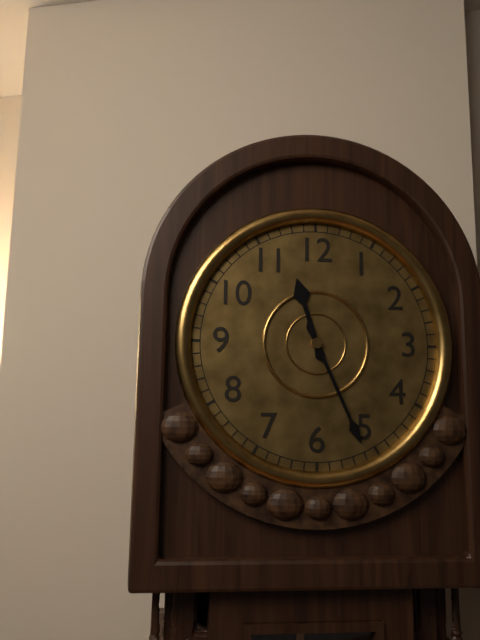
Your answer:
**11:26**
